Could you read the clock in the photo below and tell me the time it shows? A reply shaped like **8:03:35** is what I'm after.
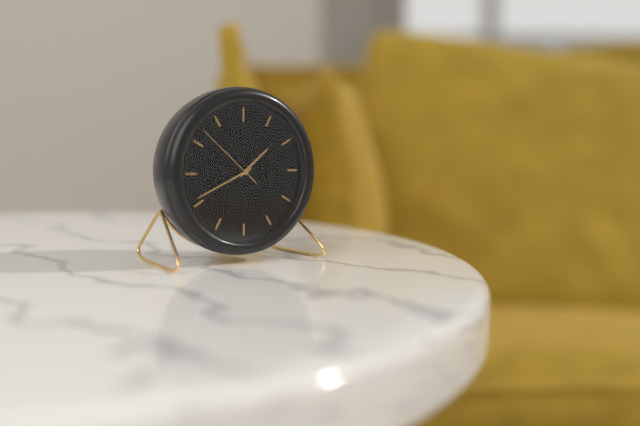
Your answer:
**1:41:52**
